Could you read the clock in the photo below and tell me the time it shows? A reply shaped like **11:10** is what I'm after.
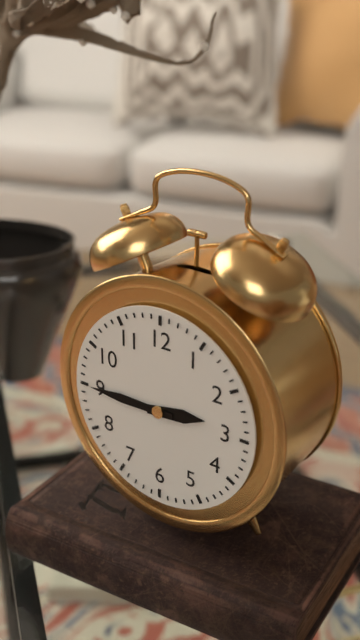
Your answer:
**2:45**
